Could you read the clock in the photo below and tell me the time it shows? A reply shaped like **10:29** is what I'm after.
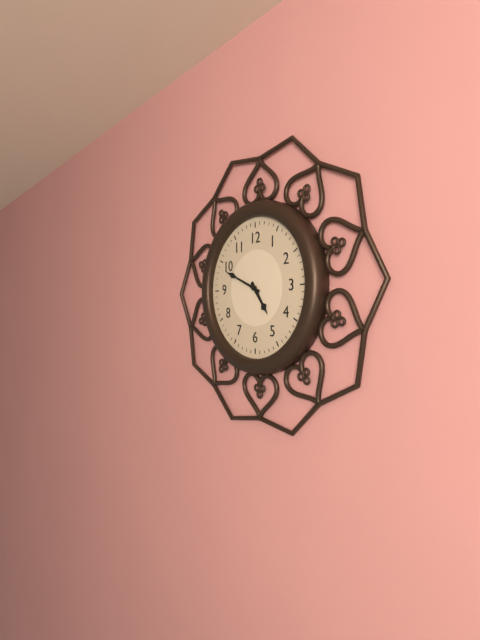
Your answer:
**4:49**
